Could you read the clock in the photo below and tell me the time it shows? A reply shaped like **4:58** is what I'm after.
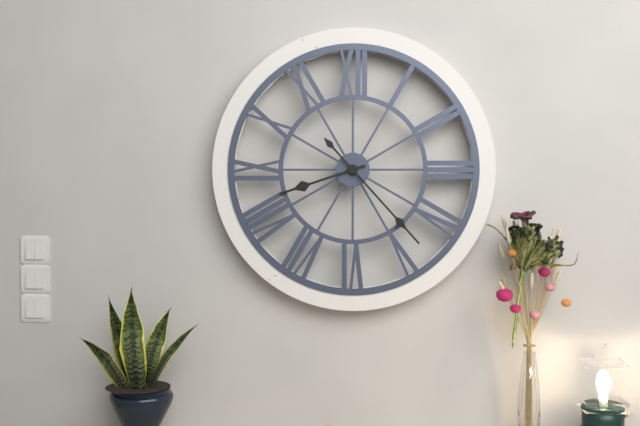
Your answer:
**8:23**
